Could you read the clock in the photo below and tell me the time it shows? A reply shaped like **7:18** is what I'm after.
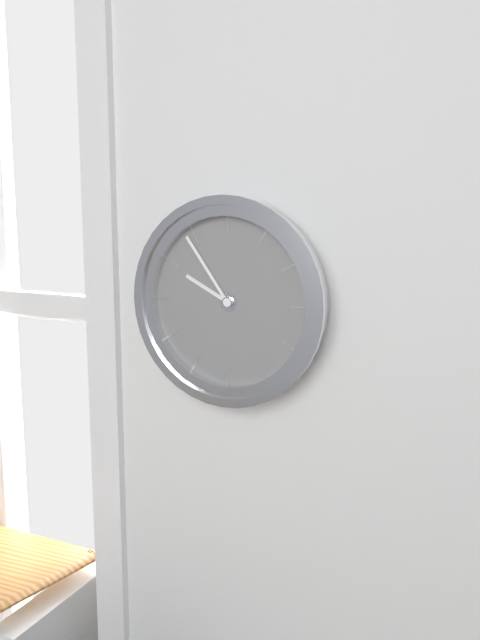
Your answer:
**9:54**
